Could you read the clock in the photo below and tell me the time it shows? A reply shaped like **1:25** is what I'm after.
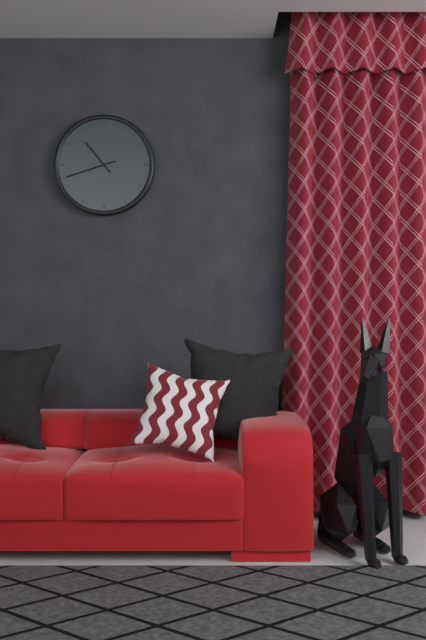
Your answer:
**10:42**
